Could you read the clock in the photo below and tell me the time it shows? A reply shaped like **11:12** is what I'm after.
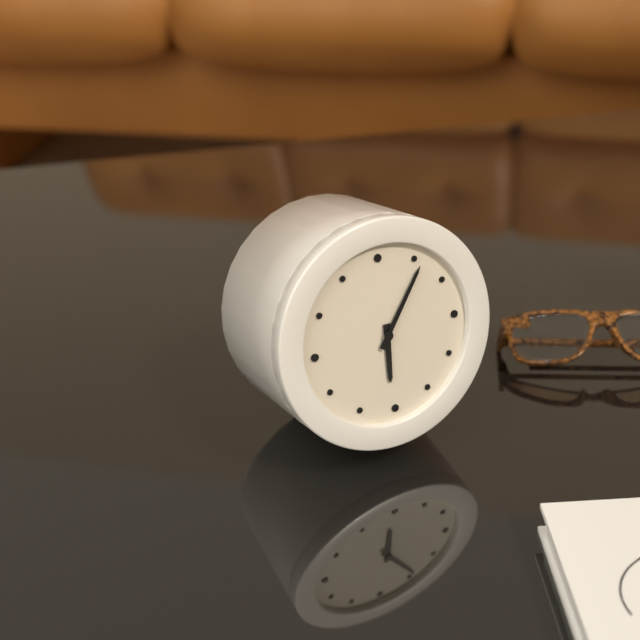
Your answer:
**6:06**
